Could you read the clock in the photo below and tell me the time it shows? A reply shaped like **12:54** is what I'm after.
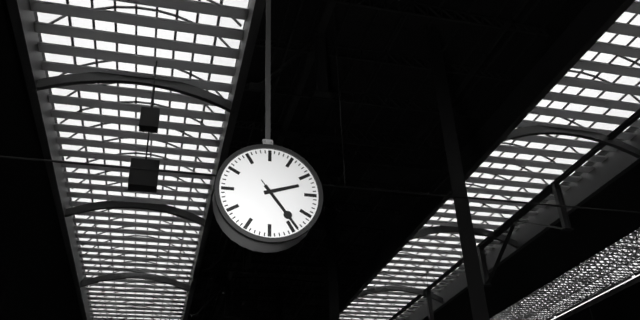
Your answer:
**2:24**
